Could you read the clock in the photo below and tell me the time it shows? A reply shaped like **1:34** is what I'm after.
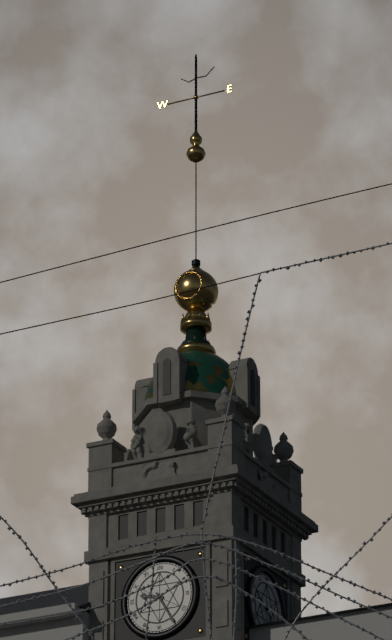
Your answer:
**9:25**
